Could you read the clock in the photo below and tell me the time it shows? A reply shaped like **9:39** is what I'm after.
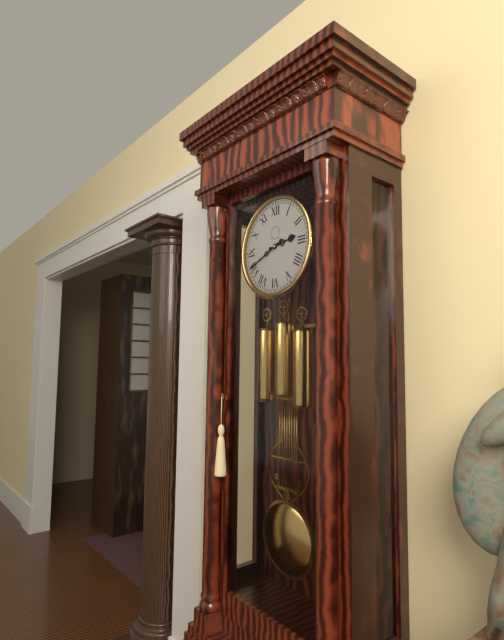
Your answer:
**2:41**
